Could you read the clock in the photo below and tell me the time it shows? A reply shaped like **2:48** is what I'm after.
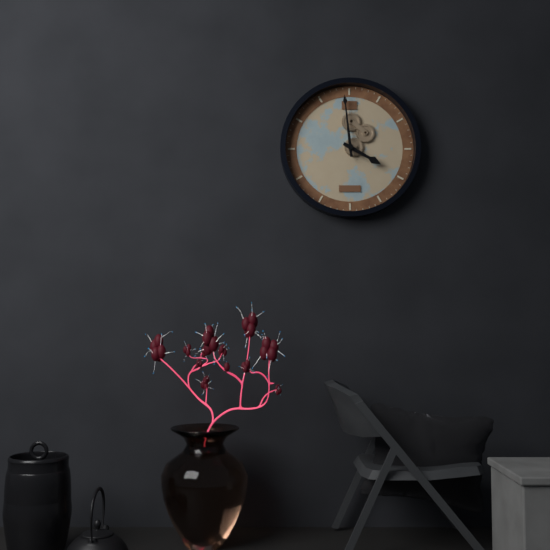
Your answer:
**3:59**
